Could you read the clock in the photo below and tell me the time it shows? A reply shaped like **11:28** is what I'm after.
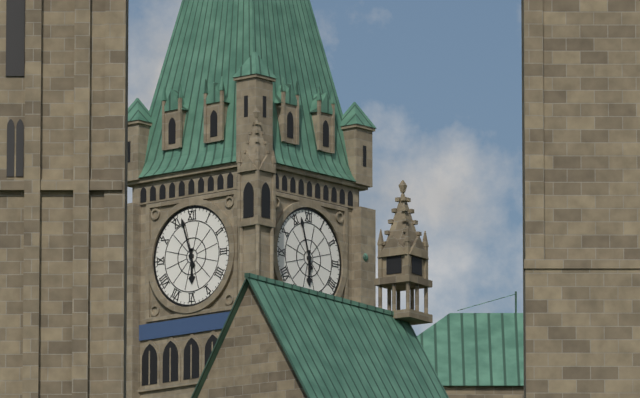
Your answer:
**5:57**
